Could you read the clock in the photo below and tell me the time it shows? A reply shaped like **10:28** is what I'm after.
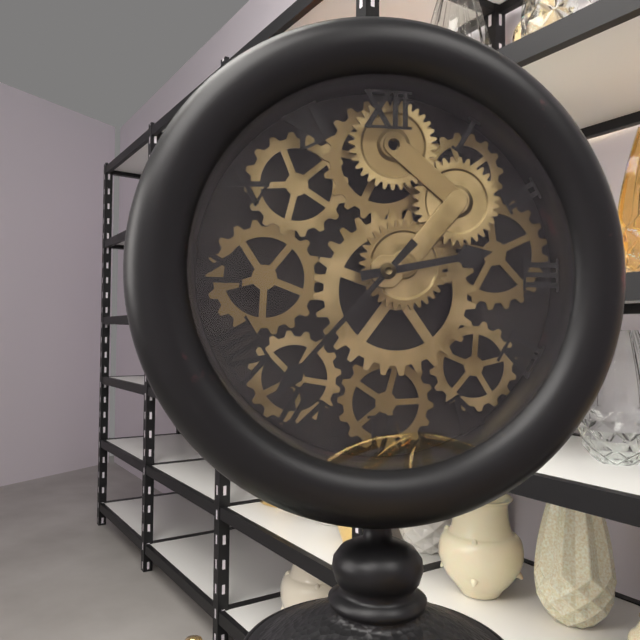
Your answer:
**2:37**
